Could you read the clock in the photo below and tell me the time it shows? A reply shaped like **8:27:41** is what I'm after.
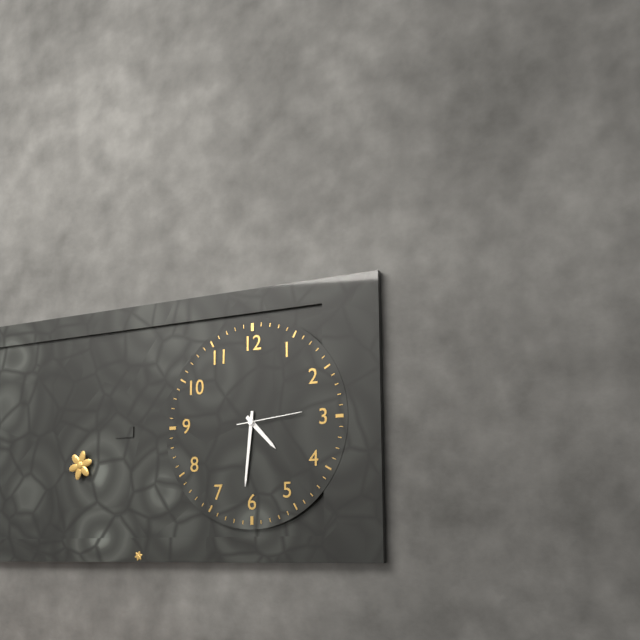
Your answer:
**4:31:14**
